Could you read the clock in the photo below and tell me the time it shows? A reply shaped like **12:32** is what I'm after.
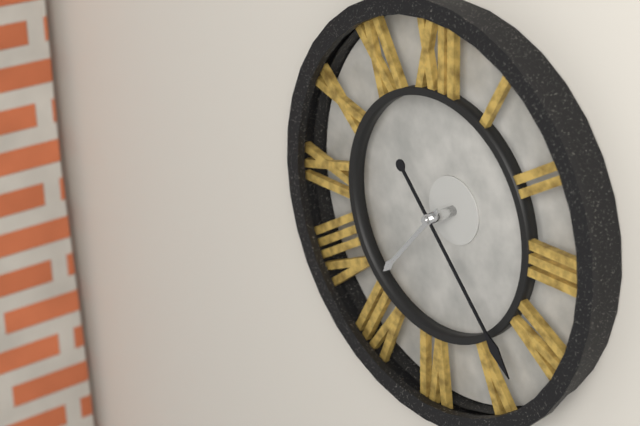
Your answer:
**7:23**
